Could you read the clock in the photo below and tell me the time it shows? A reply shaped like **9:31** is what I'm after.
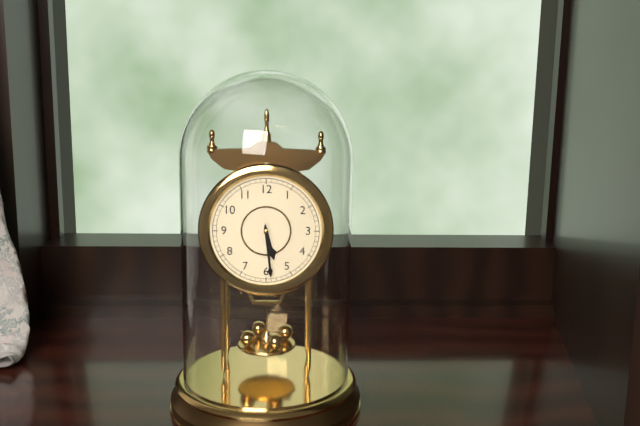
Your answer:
**5:29**
